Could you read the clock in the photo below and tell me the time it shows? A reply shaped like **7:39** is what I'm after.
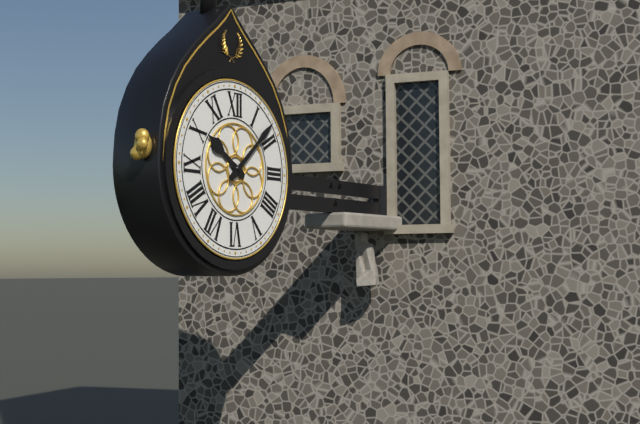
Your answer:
**10:08**
